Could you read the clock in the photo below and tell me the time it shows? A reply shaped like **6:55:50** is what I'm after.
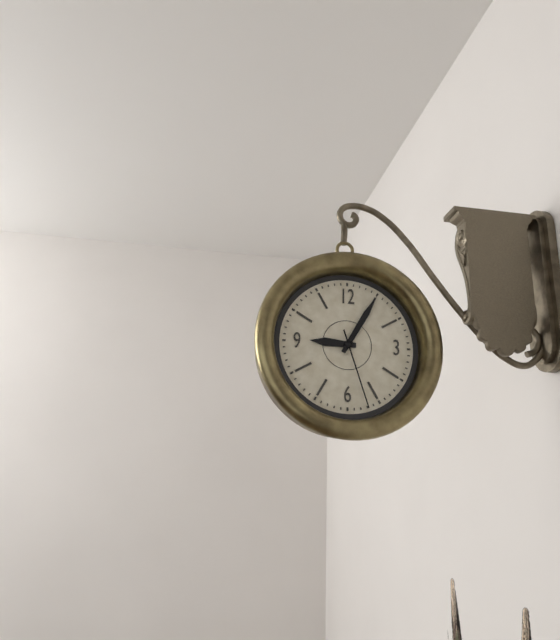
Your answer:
**9:05:27**
